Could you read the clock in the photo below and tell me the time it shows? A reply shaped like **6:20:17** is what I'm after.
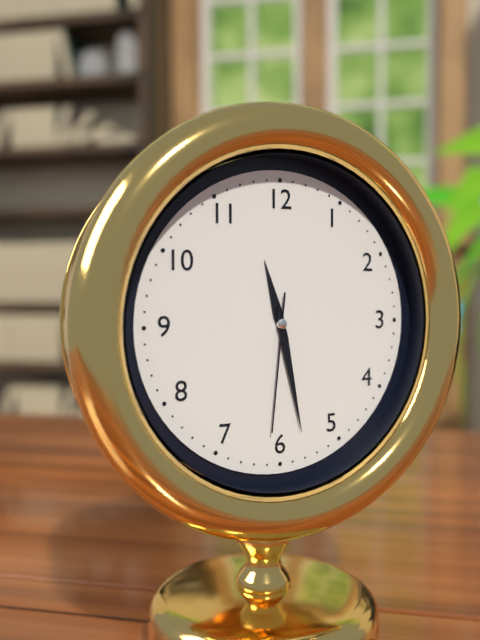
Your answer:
**11:28:31**
